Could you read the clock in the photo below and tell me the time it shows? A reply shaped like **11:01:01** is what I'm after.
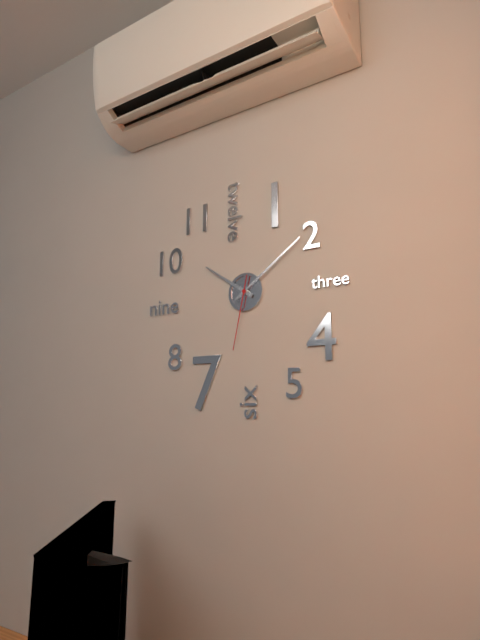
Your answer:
**10:09:32**
